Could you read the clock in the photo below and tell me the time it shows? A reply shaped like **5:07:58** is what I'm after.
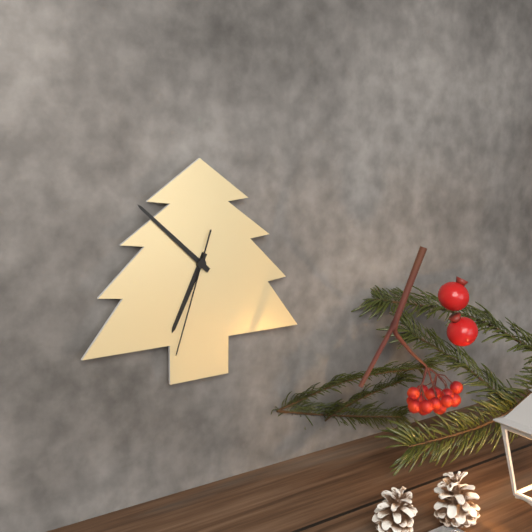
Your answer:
**6:52:33**
